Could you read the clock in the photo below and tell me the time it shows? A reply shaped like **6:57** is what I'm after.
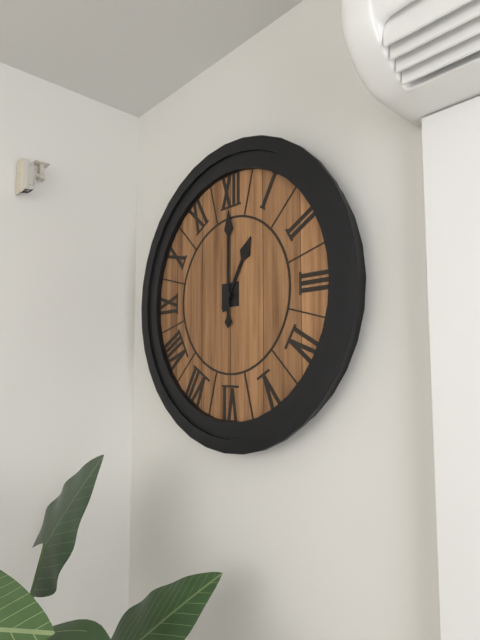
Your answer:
**1:00**
